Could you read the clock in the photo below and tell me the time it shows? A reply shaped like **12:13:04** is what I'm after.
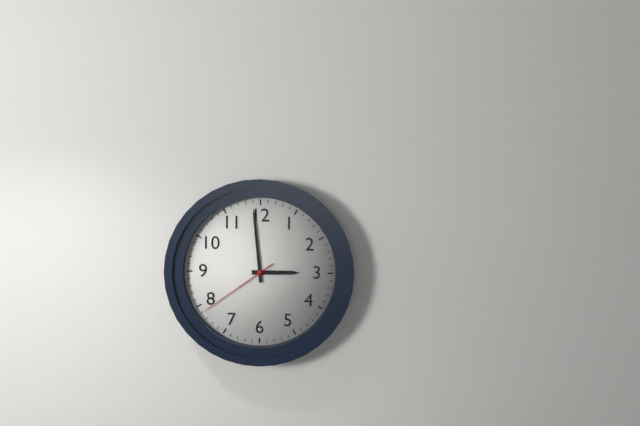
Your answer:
**2:59:39**
